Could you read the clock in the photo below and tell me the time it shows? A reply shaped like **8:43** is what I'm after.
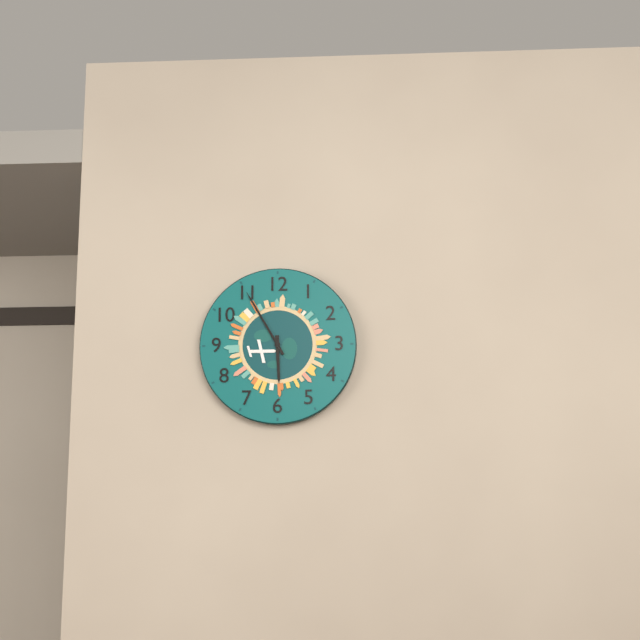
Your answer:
**5:55**
